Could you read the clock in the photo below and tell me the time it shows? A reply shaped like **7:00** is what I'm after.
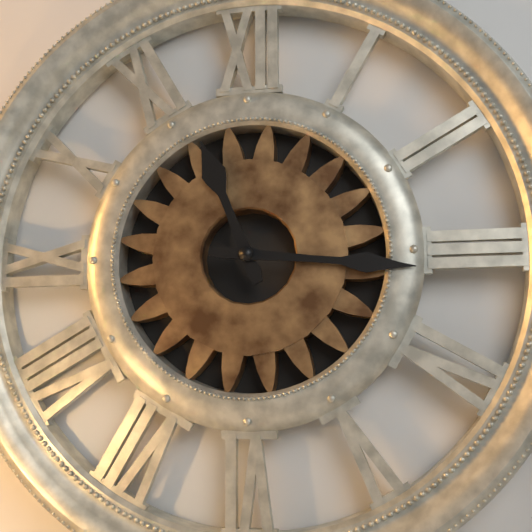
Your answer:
**11:16**
